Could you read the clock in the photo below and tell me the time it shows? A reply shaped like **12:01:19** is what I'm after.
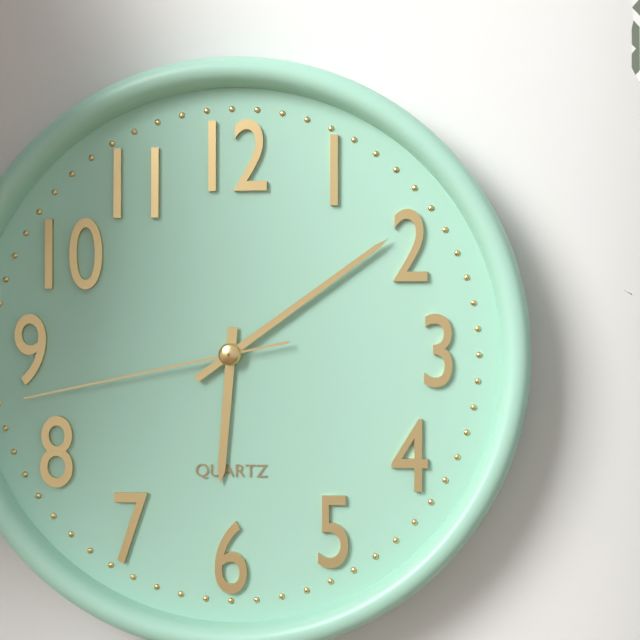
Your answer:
**6:09:43**
